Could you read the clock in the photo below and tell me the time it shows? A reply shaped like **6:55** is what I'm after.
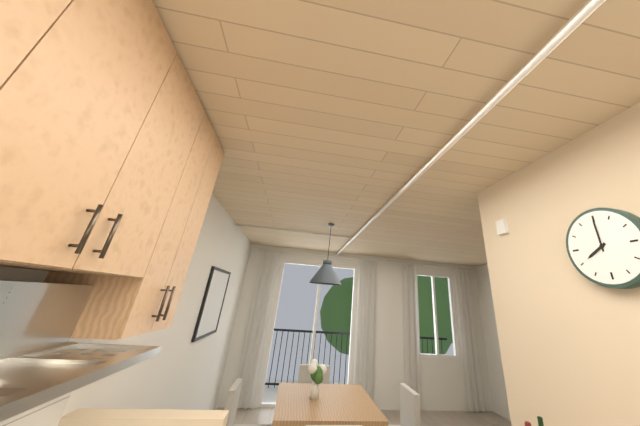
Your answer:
**8:00**
